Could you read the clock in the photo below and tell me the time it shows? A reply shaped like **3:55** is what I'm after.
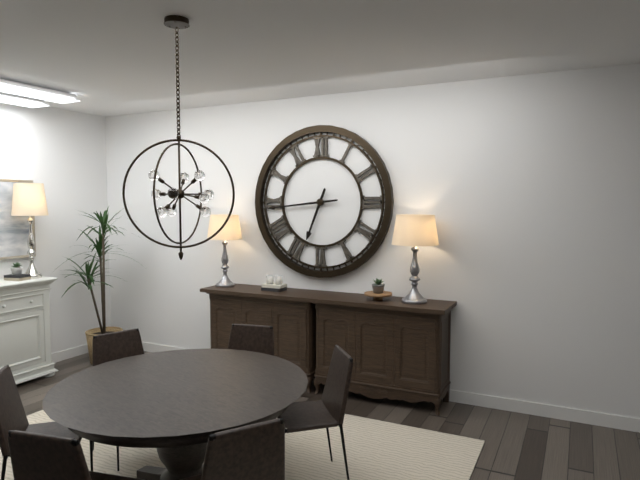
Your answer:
**6:44**
